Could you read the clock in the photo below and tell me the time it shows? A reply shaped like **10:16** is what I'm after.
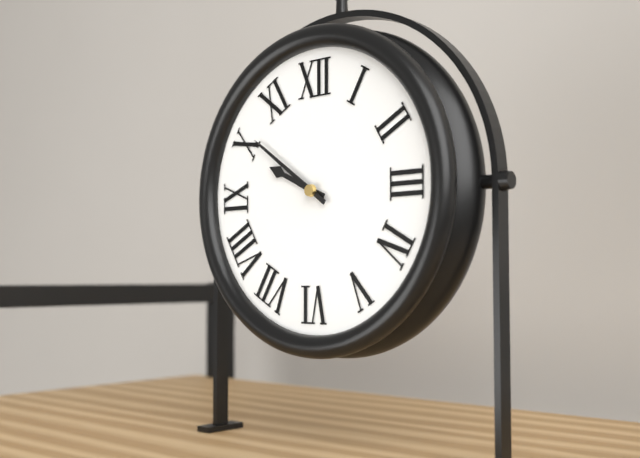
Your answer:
**9:51**
